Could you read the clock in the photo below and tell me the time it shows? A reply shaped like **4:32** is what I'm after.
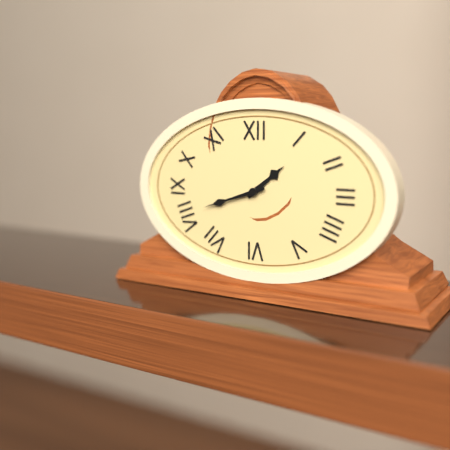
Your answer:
**1:42**
